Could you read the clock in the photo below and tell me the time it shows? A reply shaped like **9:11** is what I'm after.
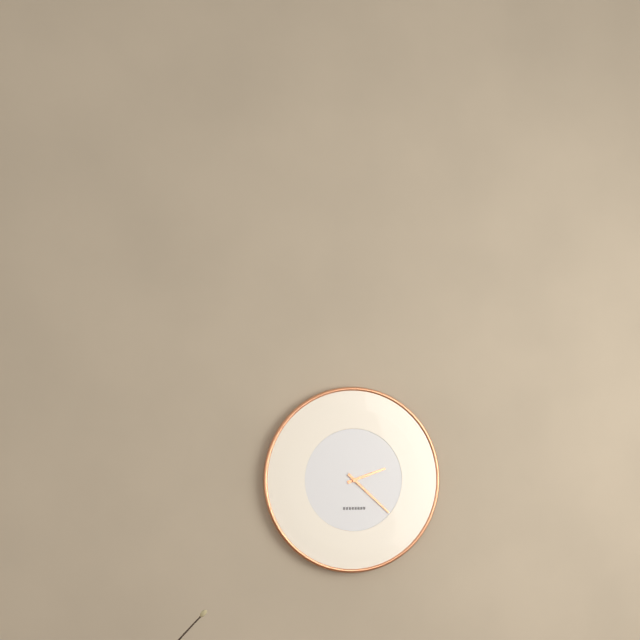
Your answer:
**2:22**
